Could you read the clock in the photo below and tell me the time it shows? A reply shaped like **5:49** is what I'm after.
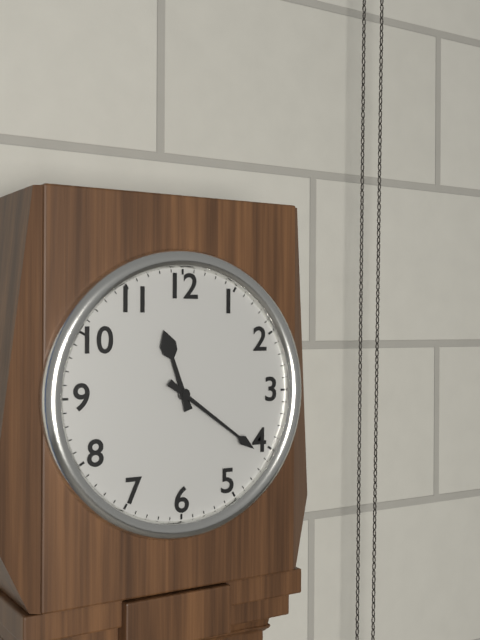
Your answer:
**11:21**
